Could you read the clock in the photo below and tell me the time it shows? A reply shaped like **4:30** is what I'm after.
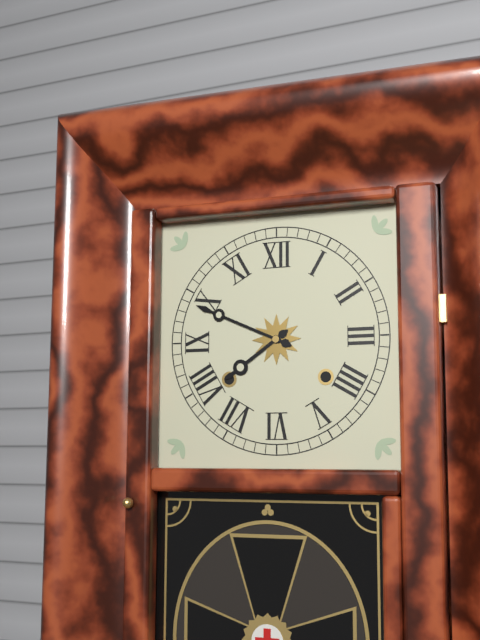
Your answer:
**7:49**
